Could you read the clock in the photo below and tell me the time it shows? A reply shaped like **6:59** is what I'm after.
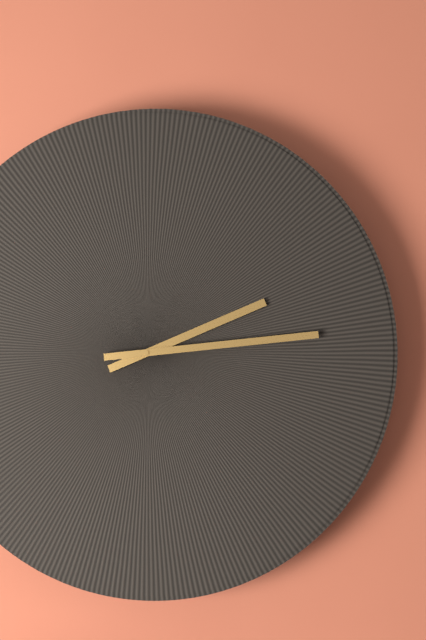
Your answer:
**2:14**
